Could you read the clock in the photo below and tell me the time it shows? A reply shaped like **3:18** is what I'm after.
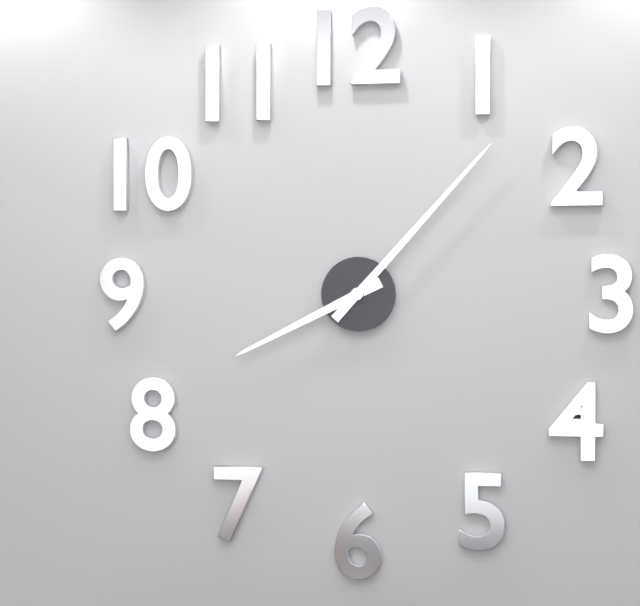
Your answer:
**8:07**
